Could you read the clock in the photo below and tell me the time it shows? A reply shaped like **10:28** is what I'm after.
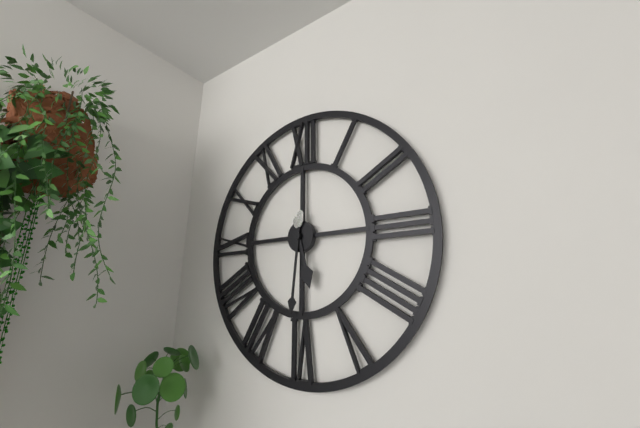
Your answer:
**5:31**
